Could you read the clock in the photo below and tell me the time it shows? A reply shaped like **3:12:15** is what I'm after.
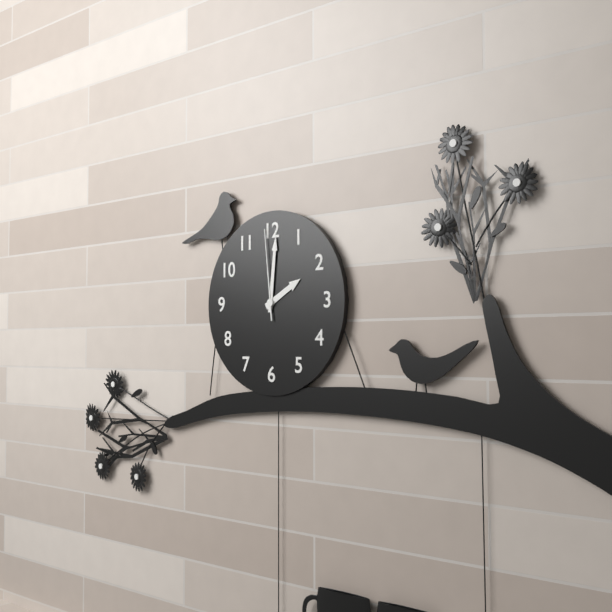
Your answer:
**2:01:59**
